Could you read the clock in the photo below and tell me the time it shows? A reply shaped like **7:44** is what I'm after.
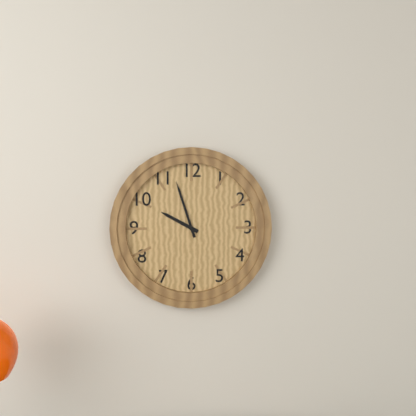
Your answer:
**9:57**
